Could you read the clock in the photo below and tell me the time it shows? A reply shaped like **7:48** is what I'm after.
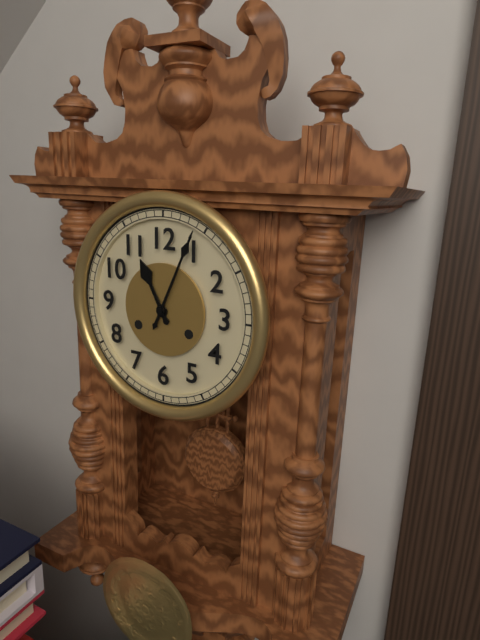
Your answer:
**11:04**
